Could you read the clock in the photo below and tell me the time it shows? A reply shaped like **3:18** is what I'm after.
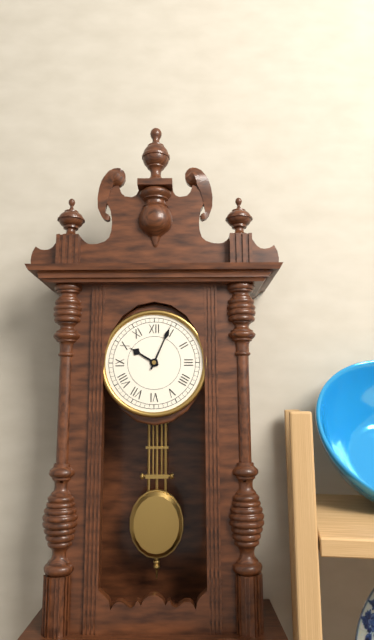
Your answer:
**10:04**
